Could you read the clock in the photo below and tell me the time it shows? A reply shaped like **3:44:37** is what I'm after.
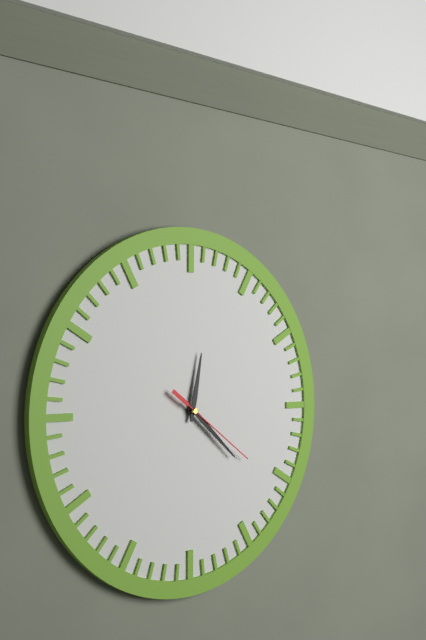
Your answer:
**12:22:21**
